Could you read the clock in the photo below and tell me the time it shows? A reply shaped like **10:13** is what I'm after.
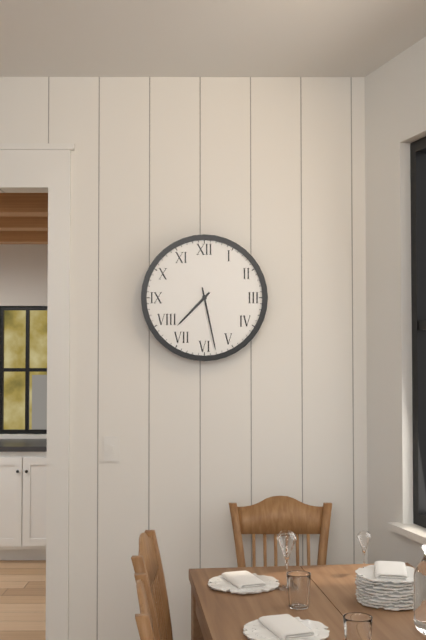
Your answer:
**7:28**
